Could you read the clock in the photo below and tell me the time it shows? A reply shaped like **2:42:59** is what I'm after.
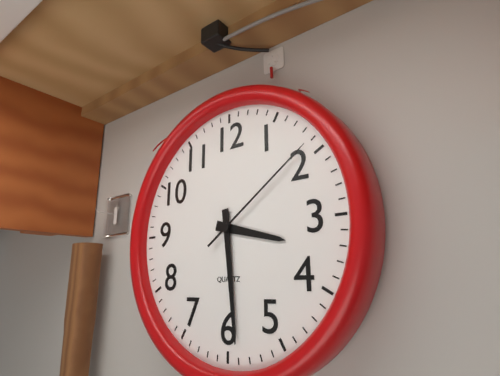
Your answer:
**3:29:09**
